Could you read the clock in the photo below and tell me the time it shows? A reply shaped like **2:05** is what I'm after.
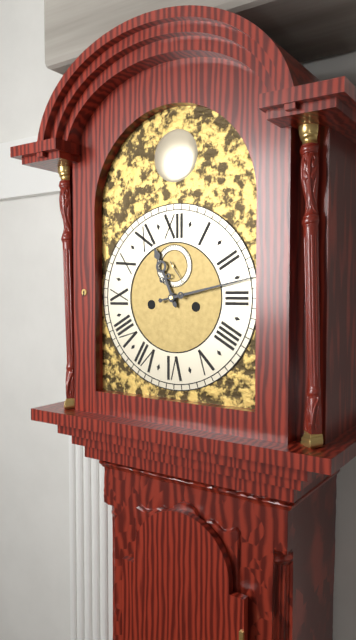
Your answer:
**11:13**
